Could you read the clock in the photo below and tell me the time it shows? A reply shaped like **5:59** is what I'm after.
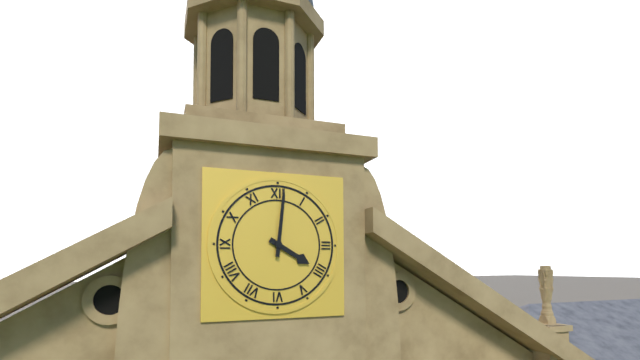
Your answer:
**4:01**
